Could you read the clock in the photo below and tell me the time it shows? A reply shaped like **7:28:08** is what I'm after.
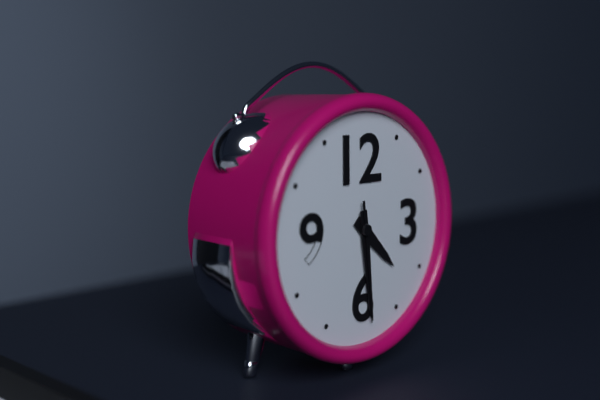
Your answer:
**4:29:29**
